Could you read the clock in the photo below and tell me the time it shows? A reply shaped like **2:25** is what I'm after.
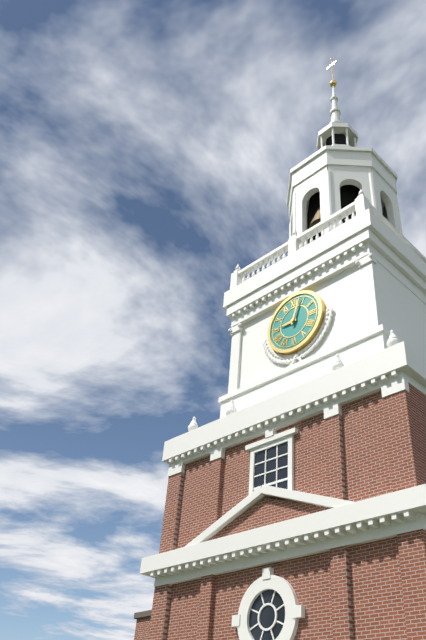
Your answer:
**9:03**
